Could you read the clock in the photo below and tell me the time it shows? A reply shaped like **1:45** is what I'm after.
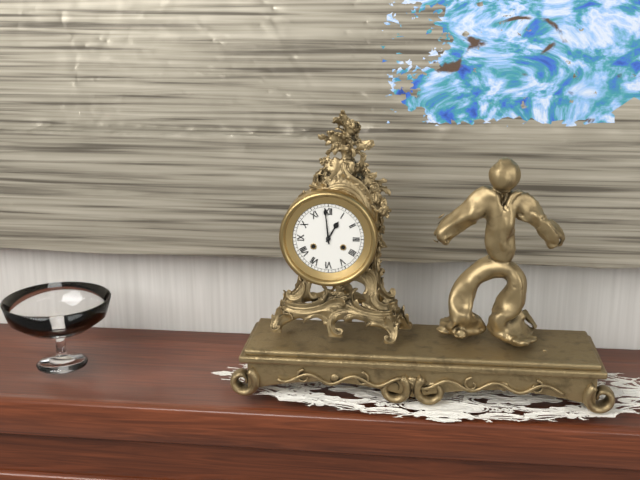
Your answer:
**12:59**
